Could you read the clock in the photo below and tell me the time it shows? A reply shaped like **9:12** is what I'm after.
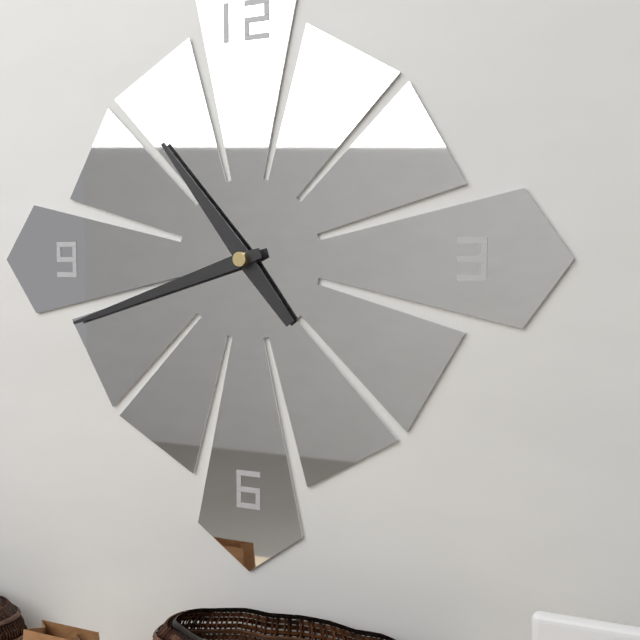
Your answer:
**10:42**
